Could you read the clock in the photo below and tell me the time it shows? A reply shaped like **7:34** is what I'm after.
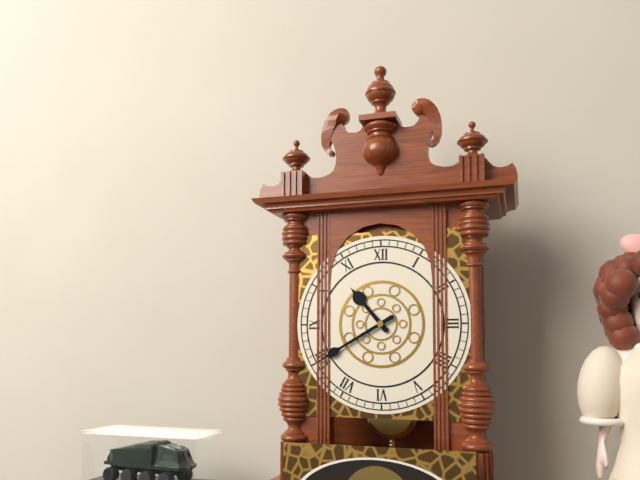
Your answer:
**10:40**
